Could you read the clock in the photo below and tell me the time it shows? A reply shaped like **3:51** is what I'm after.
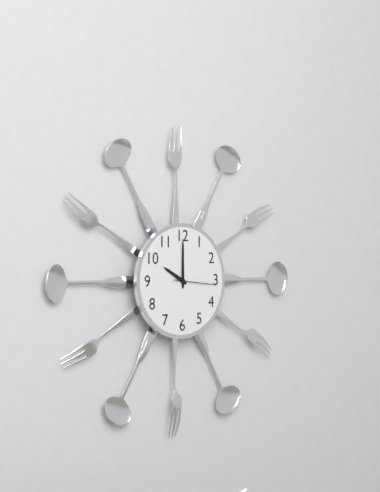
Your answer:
**10:00**
